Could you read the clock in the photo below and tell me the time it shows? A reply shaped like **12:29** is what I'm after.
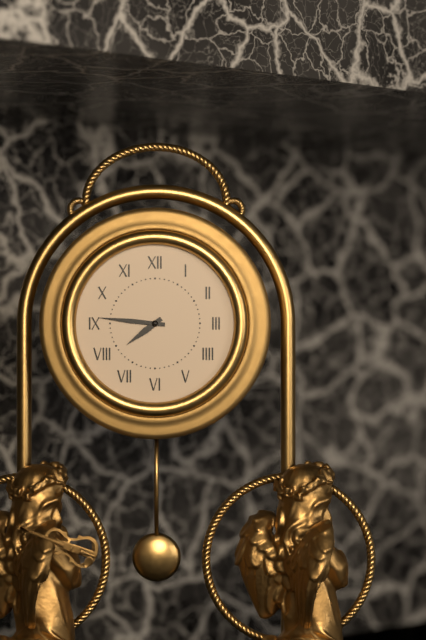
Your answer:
**7:46**
